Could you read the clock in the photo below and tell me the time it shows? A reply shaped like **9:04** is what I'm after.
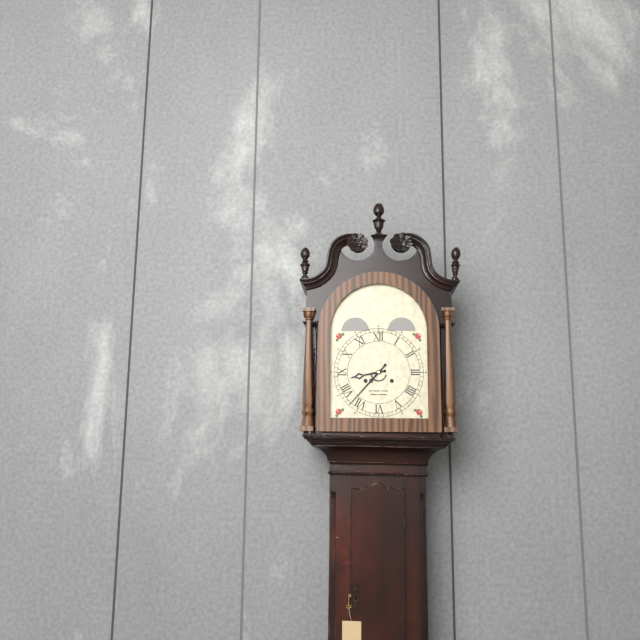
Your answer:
**8:37**
